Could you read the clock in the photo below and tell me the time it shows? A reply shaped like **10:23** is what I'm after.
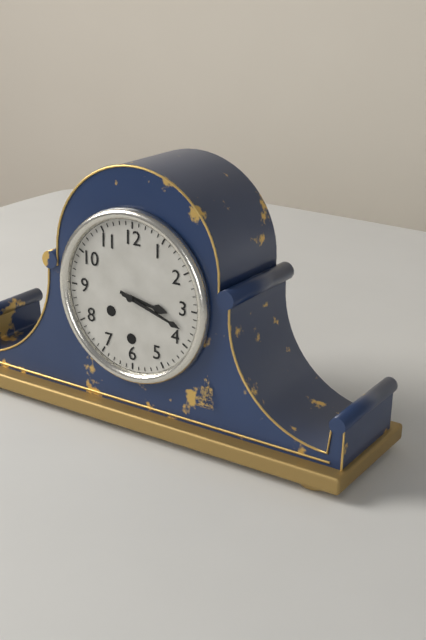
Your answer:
**3:18**
